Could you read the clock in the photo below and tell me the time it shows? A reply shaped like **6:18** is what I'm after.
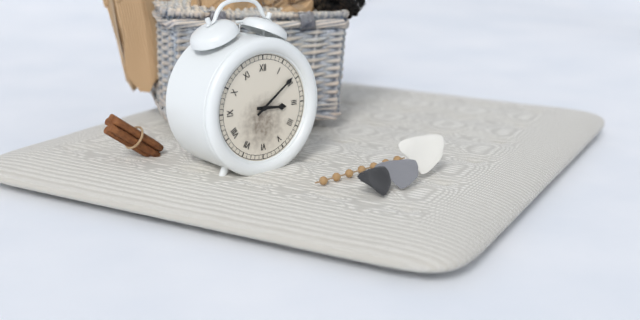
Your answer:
**3:09**
